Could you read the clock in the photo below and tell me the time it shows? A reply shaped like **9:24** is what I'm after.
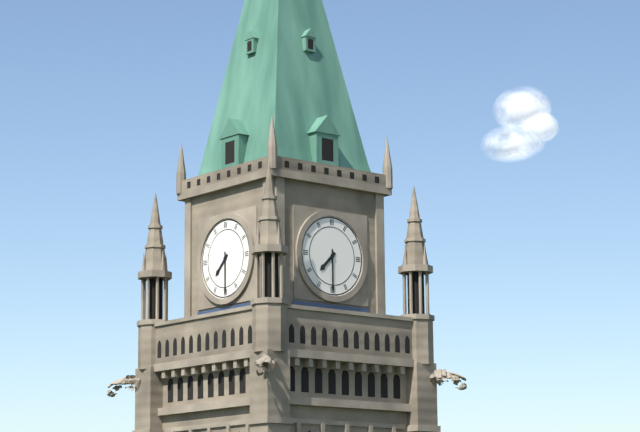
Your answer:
**7:30**
